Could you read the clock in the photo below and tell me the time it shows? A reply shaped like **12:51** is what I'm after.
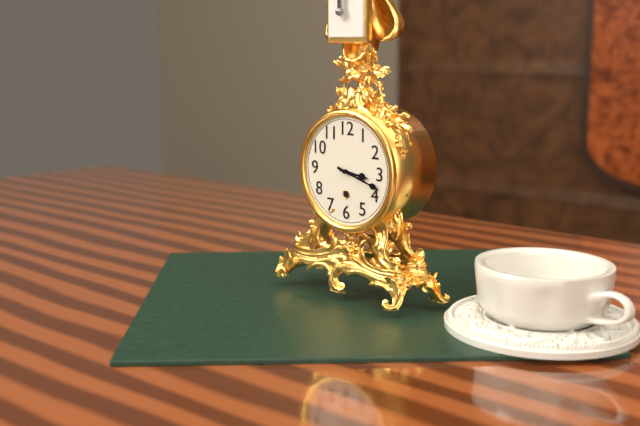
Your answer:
**3:18**
